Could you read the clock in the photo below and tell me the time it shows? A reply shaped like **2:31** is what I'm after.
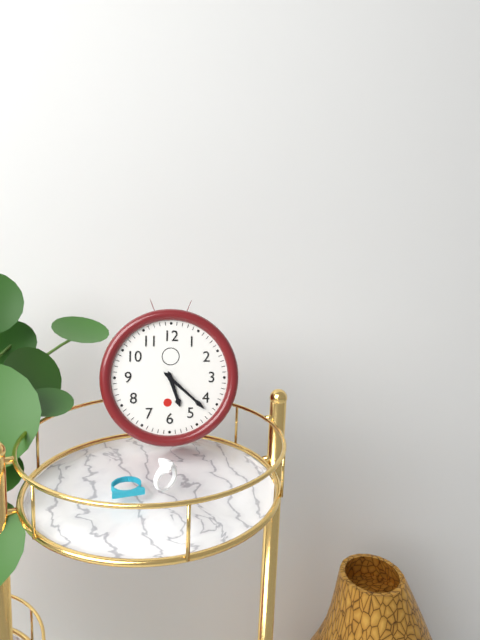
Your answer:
**5:22**
